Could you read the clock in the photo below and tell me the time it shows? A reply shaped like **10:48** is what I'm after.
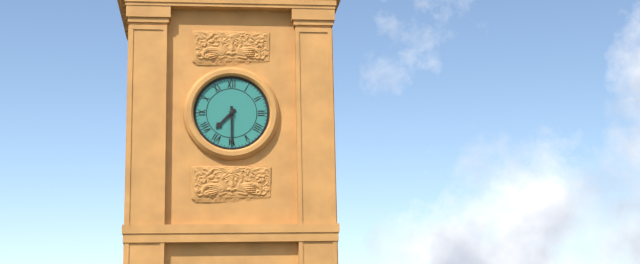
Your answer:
**7:30**
